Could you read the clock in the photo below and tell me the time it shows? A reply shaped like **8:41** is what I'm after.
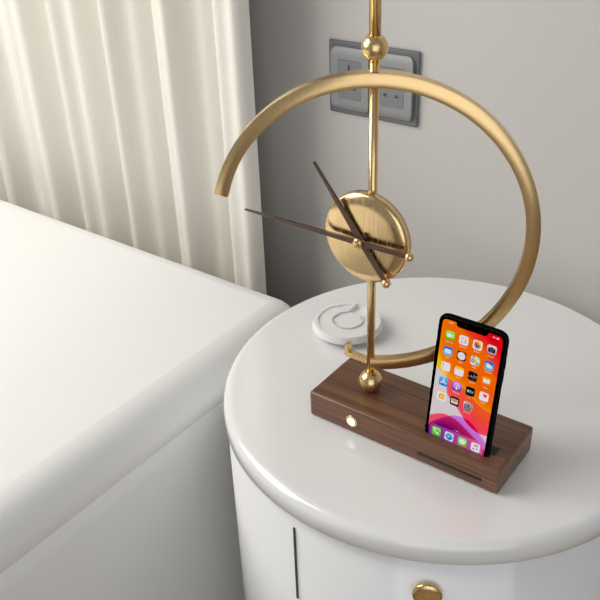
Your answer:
**10:45**
